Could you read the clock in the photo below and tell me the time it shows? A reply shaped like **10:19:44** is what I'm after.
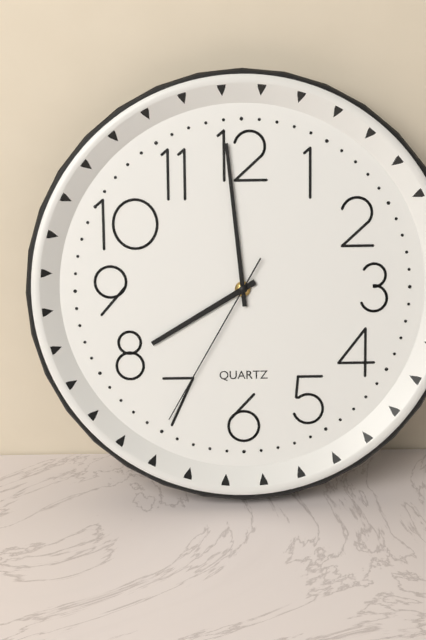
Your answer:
**7:59:35**
